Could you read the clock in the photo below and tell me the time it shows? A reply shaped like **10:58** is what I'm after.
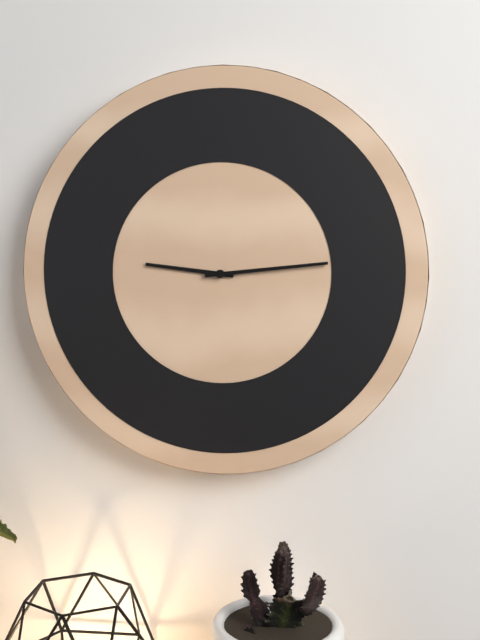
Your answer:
**9:14**
